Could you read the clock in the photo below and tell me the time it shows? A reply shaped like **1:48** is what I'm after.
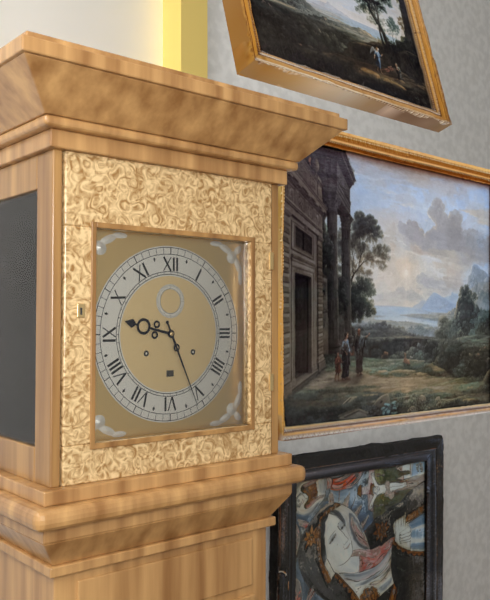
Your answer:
**9:26**
